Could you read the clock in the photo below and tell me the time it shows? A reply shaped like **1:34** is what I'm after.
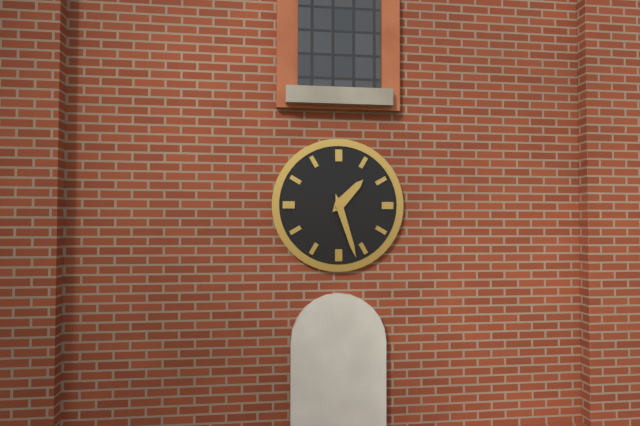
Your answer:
**1:27**
